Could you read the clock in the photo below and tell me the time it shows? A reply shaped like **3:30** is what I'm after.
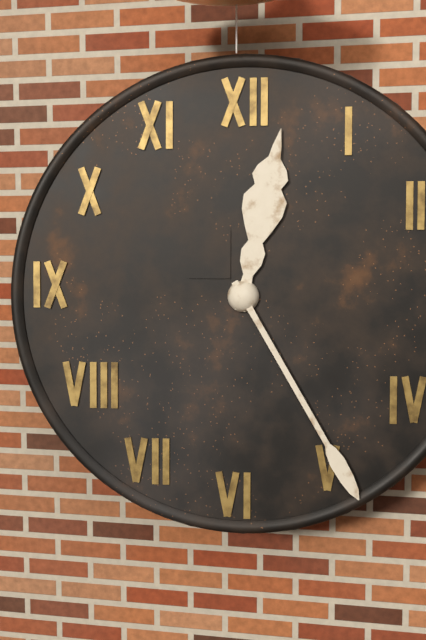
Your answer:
**12:25**
